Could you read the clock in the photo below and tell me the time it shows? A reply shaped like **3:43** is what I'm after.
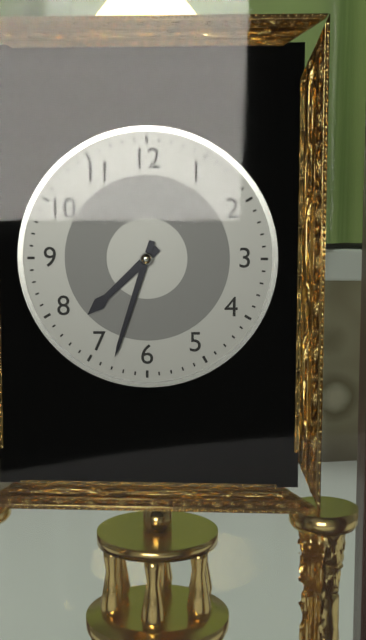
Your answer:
**7:33**
